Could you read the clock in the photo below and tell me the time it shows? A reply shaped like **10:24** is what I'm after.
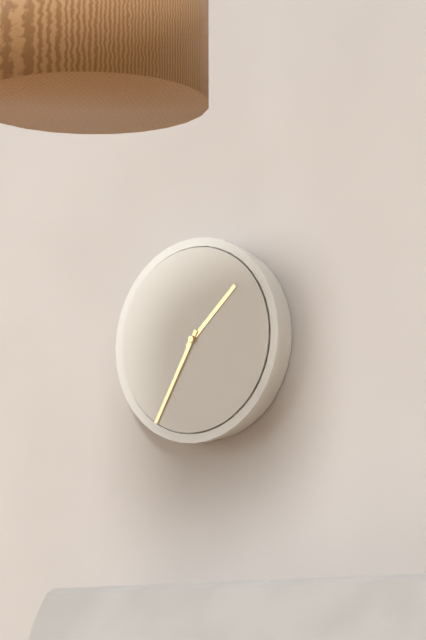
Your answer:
**1:35**
